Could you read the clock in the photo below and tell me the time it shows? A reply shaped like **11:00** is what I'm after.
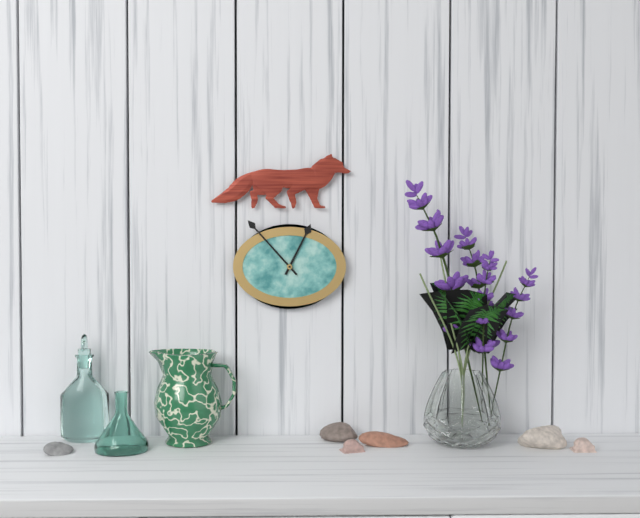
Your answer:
**12:53**
